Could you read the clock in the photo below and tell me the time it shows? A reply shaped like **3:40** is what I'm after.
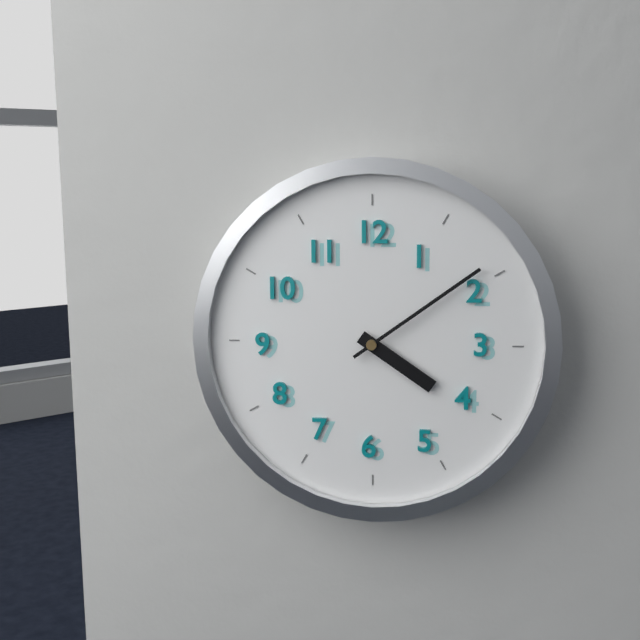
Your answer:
**4:09**
